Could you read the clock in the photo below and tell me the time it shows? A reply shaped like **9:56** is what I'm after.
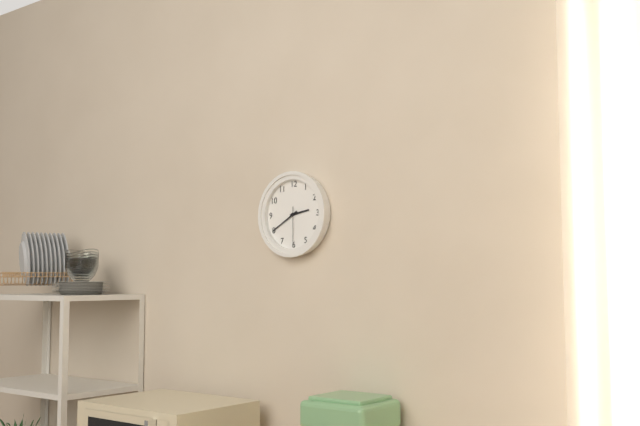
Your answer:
**2:40**
